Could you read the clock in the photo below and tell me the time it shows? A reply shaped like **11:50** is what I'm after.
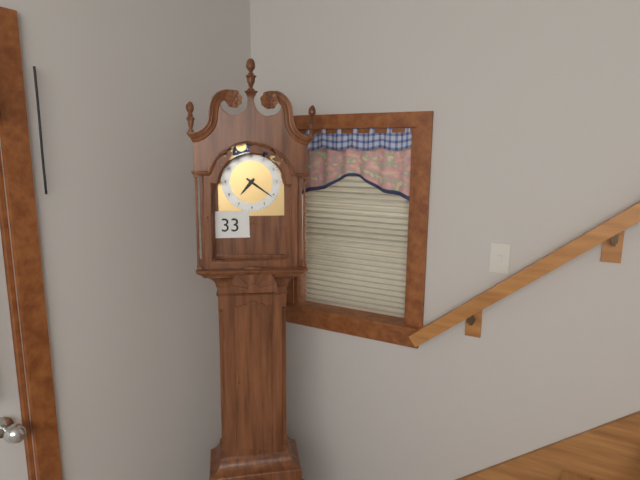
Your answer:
**7:21**
